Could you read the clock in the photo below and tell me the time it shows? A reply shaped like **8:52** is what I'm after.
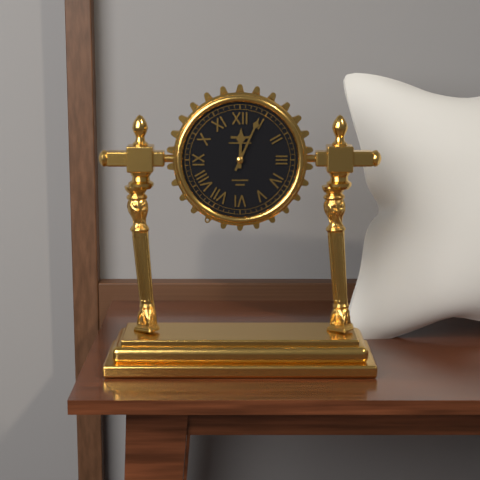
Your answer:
**12:04**
